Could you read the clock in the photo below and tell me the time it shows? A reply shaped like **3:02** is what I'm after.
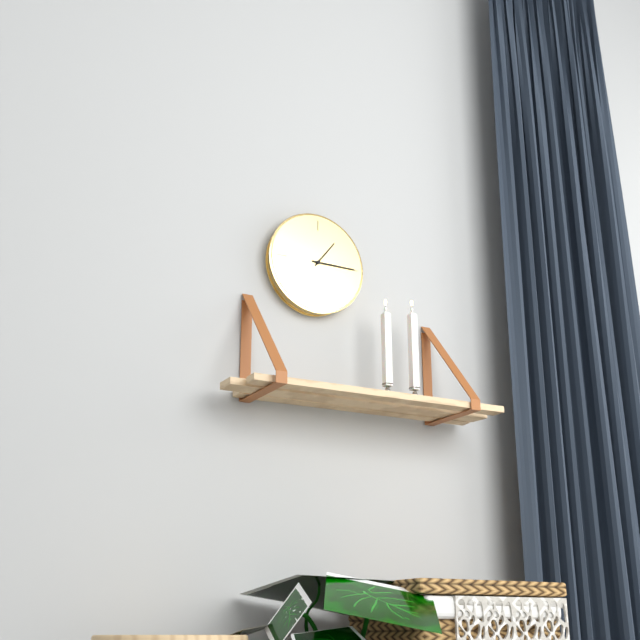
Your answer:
**1:15**
